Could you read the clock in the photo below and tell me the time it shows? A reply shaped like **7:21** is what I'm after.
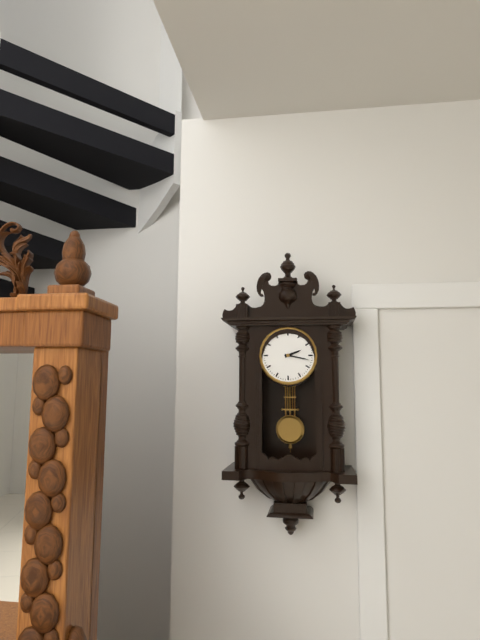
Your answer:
**2:17**
